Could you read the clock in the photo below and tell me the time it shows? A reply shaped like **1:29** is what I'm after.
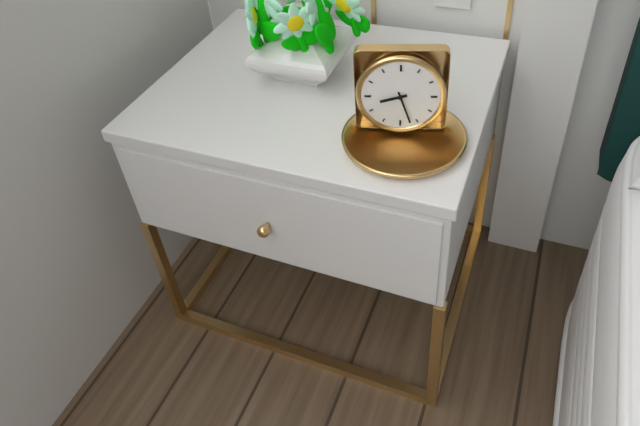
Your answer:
**8:27**
